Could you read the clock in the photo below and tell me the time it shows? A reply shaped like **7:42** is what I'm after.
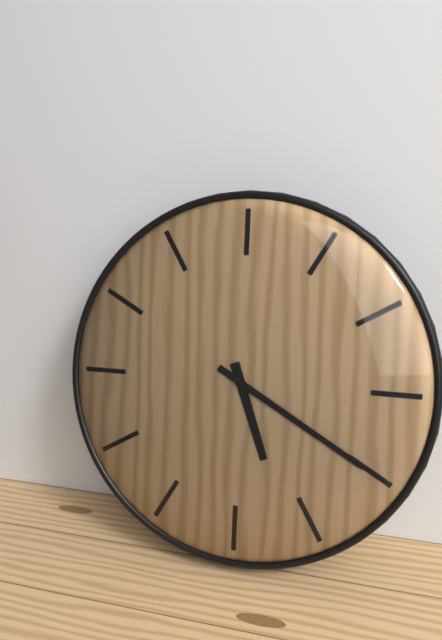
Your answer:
**5:20**
